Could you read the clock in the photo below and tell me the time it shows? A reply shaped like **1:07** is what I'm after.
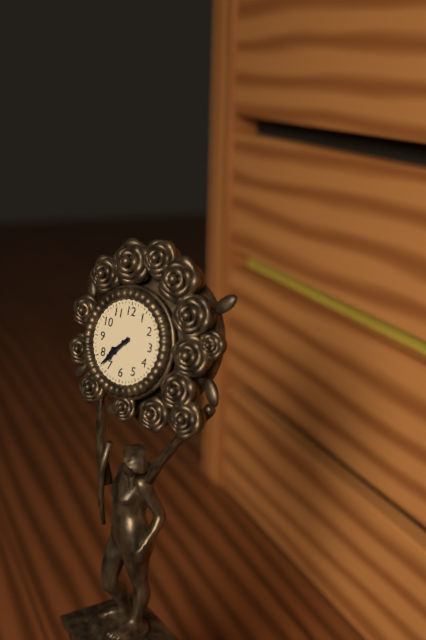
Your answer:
**7:37**
